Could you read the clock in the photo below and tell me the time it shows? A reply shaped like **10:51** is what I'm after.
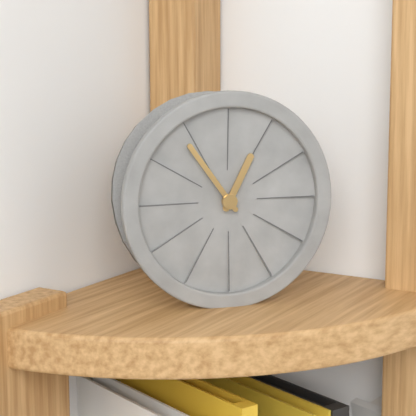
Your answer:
**12:54**
